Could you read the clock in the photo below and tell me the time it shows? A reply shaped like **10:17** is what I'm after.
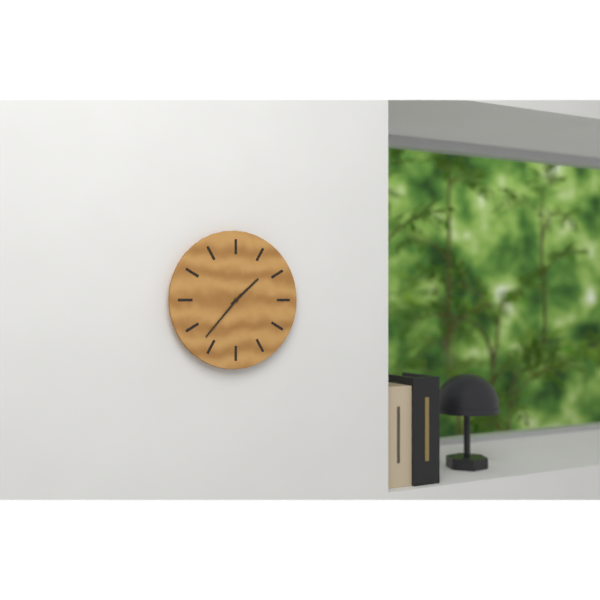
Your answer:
**1:37**
